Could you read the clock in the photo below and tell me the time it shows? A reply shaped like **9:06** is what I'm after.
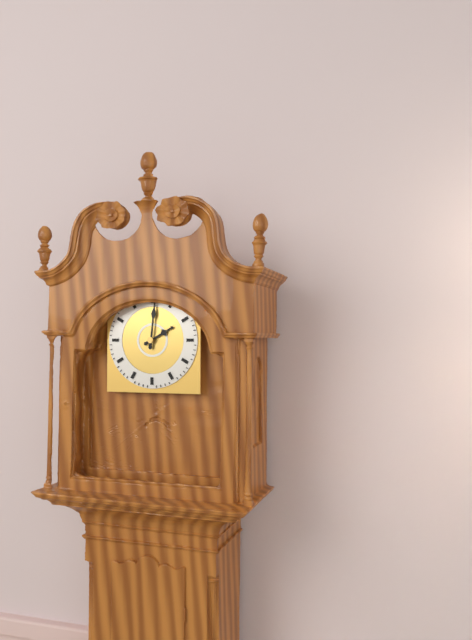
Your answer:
**2:01**
